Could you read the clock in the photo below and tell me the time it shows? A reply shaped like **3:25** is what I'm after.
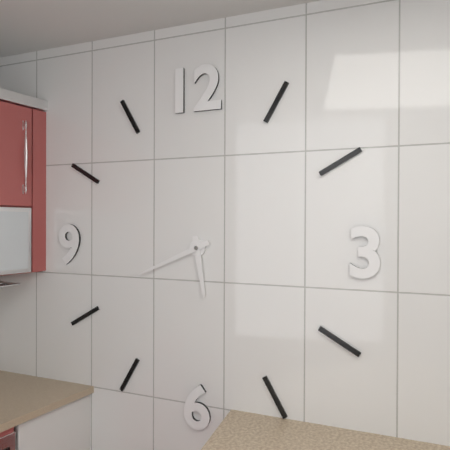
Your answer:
**5:41**
